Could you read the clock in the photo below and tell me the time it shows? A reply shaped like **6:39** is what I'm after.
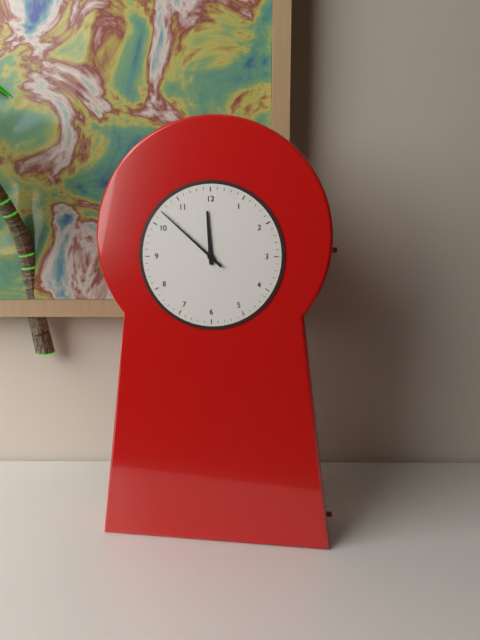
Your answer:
**11:52**
